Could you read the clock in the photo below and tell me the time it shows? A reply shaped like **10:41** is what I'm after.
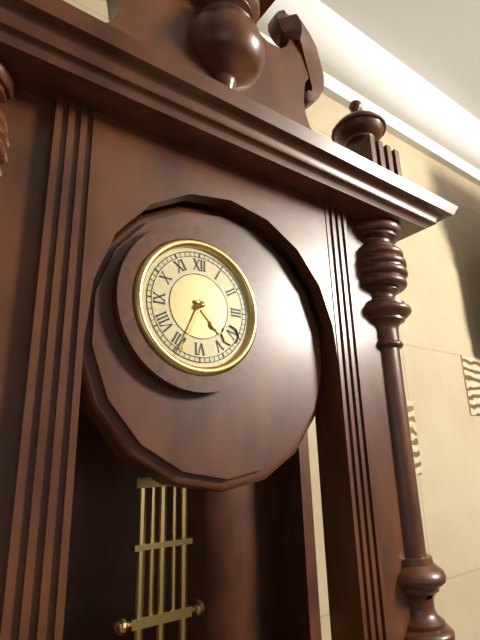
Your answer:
**4:34**
